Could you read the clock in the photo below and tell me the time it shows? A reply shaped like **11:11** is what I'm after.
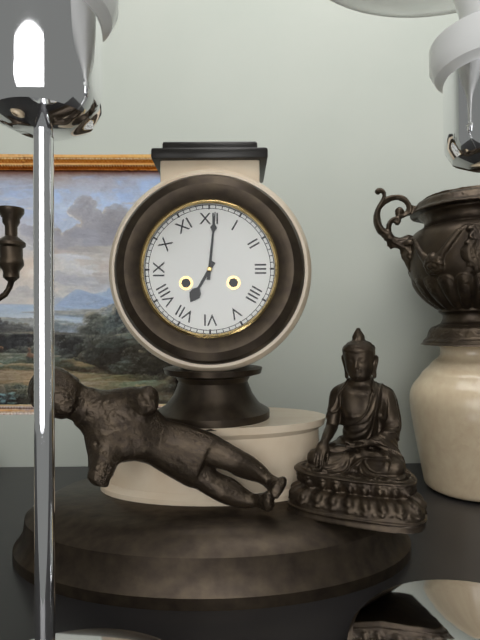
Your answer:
**7:01**
